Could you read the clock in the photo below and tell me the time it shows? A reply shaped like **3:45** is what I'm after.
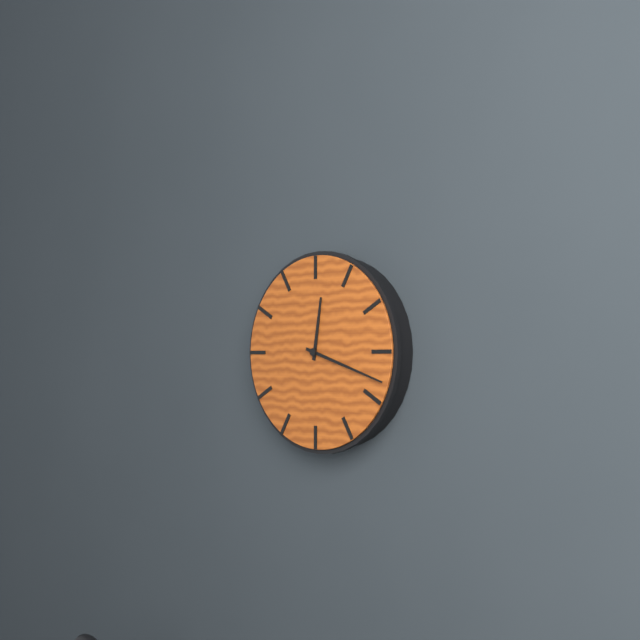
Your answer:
**12:18**
